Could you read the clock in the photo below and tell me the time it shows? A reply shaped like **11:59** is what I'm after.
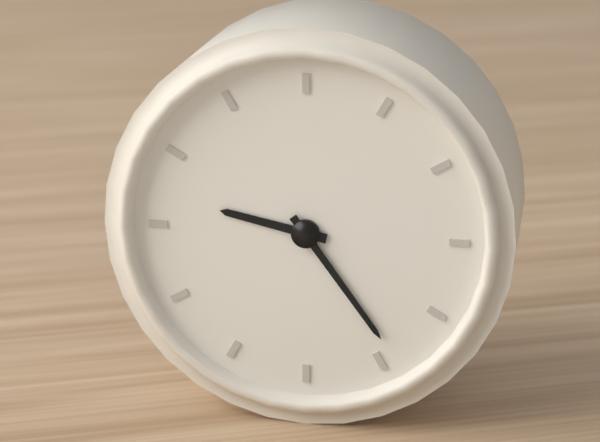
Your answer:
**9:24**
